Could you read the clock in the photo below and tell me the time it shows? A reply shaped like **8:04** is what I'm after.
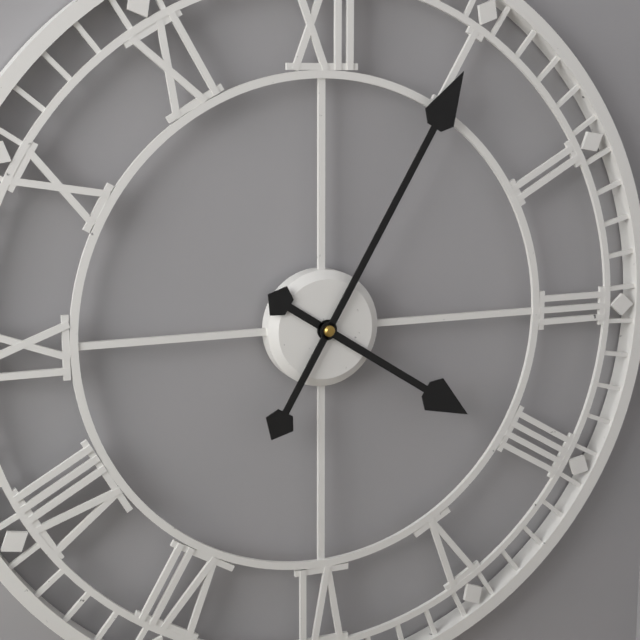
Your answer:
**4:05**
